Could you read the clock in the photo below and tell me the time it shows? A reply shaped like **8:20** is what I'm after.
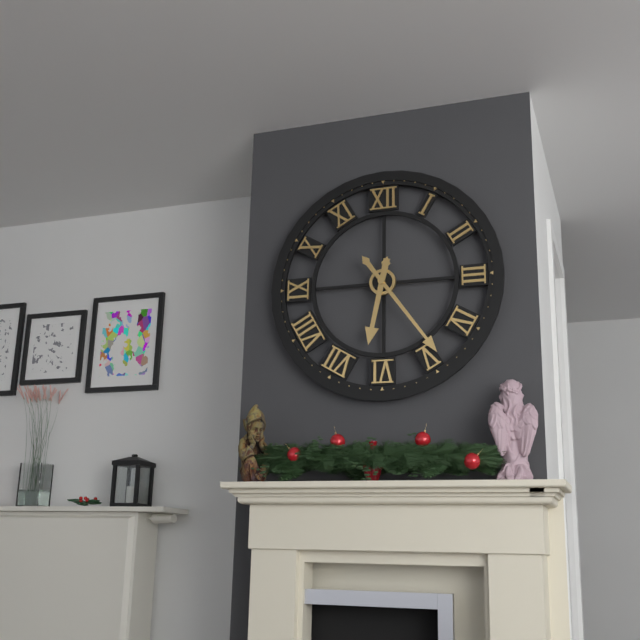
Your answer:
**6:24**
